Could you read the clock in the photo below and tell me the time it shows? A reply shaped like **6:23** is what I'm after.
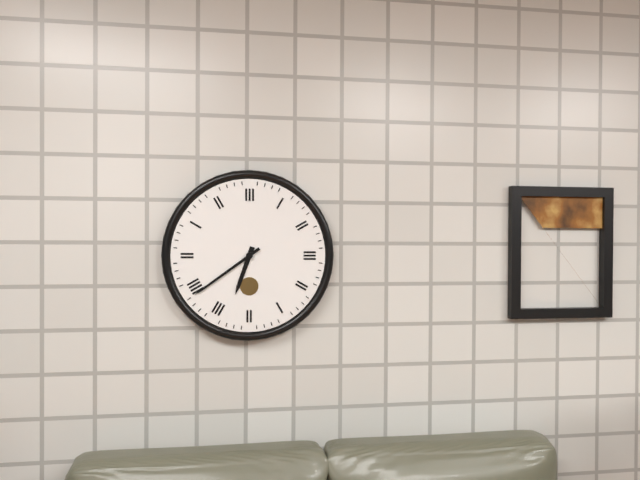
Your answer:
**6:39**
